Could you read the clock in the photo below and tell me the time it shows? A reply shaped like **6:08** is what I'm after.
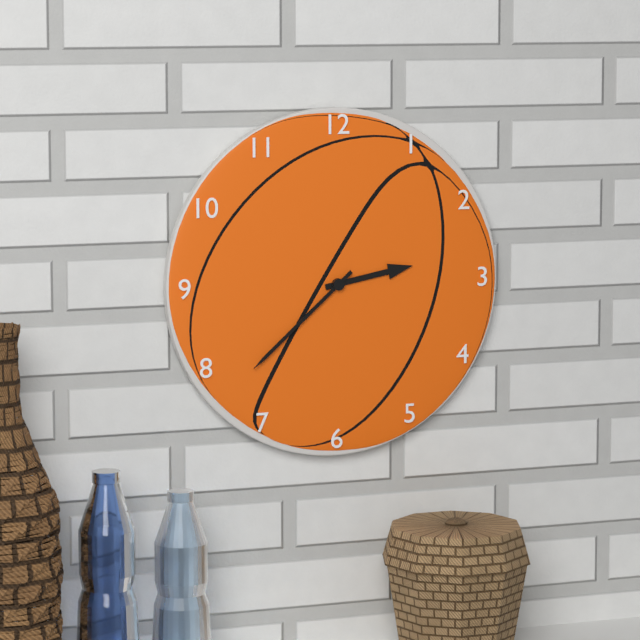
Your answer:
**2:38**
